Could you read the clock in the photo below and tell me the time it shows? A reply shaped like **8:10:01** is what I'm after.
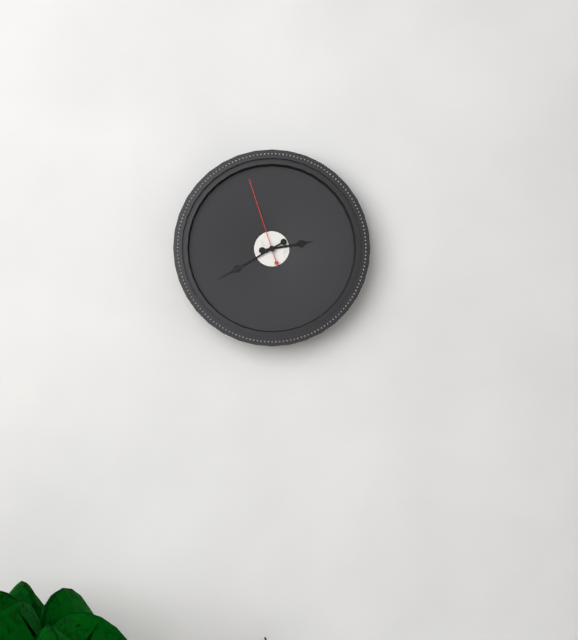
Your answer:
**2:40:57**
